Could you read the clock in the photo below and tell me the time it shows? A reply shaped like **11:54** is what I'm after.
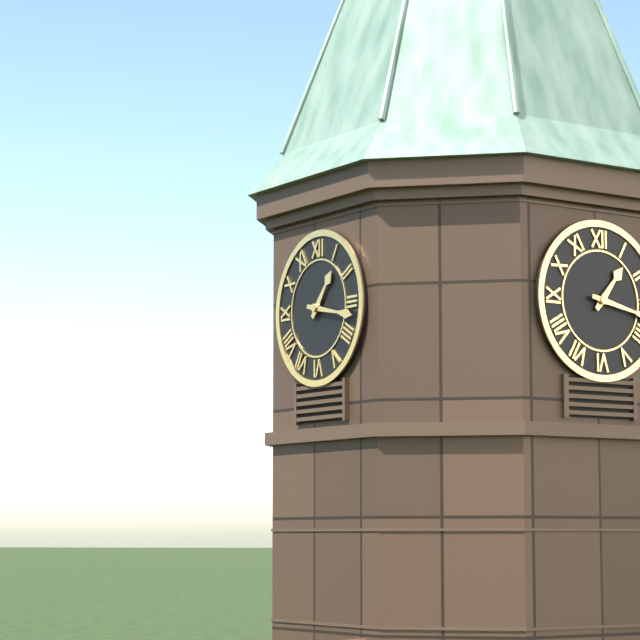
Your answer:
**1:17**
